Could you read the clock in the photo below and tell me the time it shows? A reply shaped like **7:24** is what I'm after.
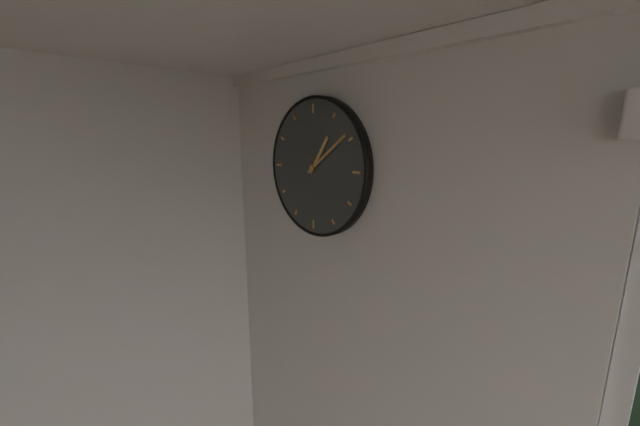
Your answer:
**1:09**
